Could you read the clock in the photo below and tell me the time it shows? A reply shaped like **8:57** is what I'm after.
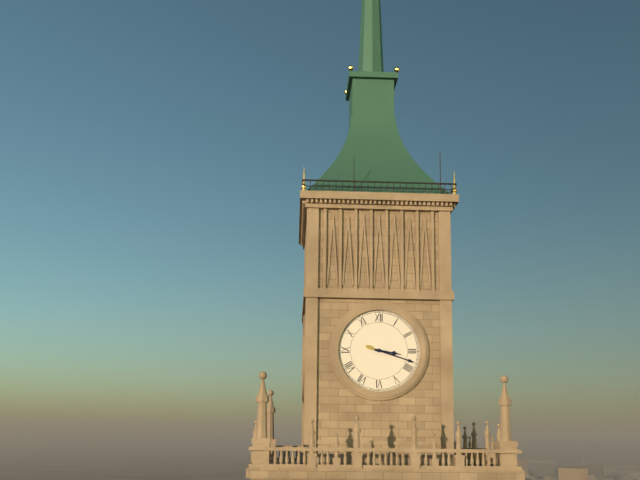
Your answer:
**3:18**
